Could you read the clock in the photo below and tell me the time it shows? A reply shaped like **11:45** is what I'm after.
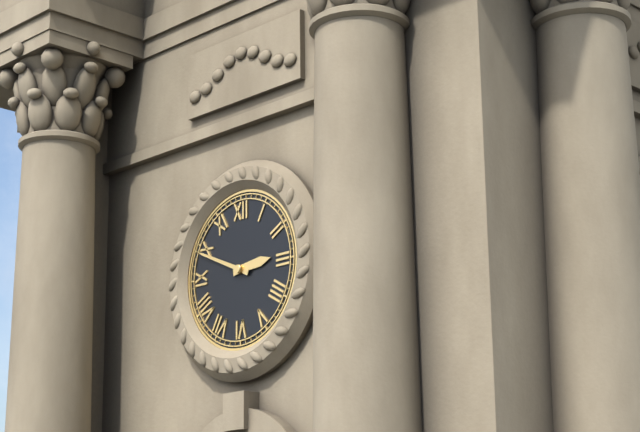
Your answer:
**2:49**
